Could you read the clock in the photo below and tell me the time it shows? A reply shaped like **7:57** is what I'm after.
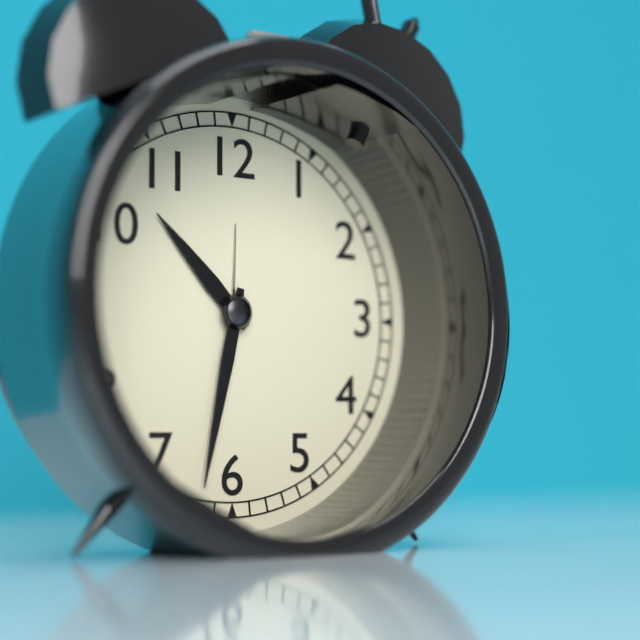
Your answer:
**10:32**
